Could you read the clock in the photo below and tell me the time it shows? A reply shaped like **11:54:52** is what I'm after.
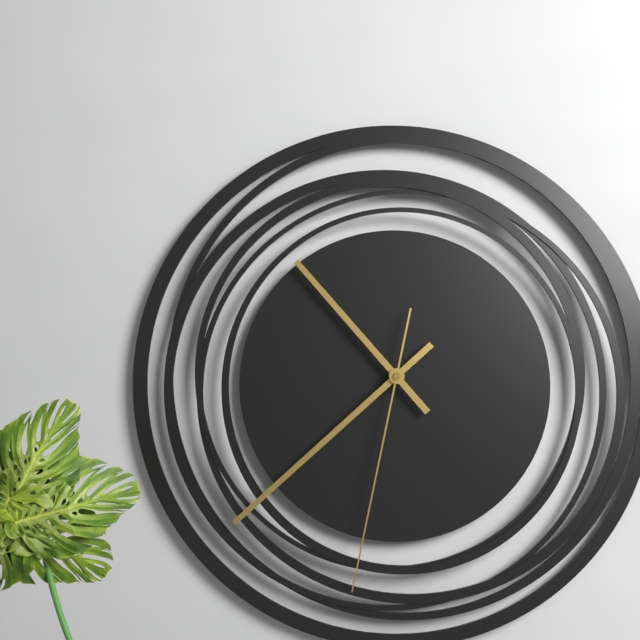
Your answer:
**10:38:32**
